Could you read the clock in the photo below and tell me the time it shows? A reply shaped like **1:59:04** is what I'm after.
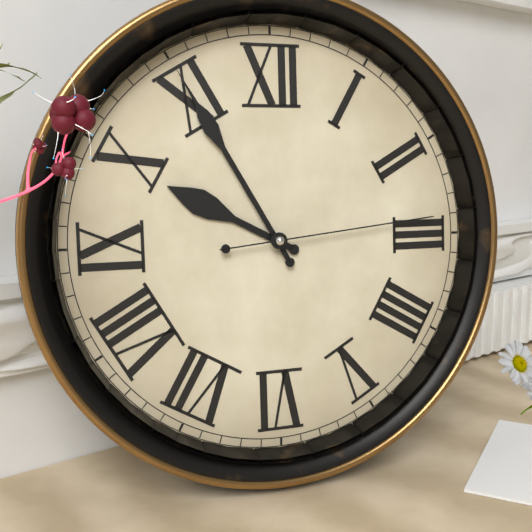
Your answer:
**9:55:14**
